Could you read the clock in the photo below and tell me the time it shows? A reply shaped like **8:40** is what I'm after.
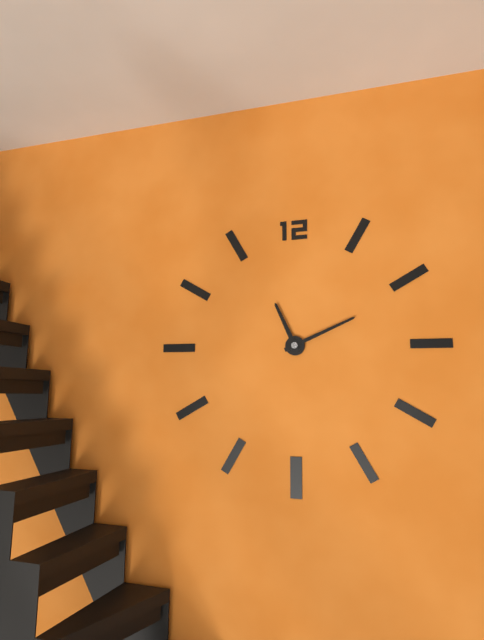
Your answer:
**11:11**
